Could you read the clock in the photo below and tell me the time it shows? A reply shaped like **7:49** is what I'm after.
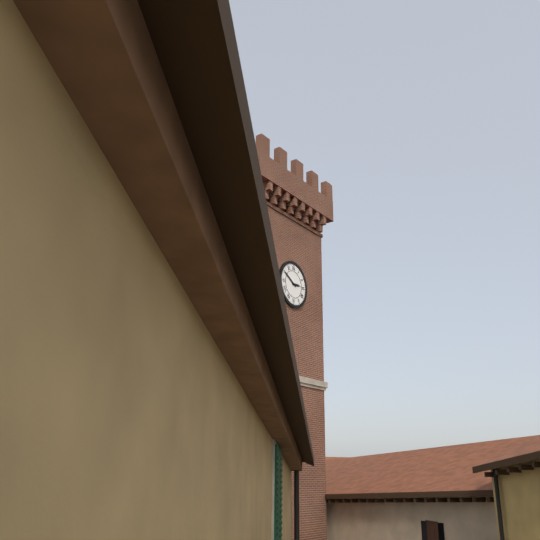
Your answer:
**2:50**
